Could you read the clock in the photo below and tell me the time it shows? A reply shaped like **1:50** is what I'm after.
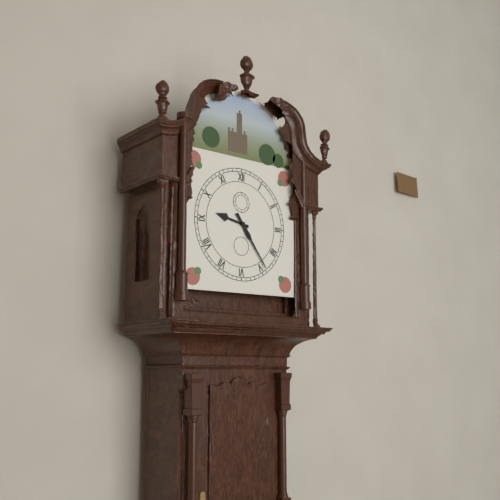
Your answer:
**9:24**
